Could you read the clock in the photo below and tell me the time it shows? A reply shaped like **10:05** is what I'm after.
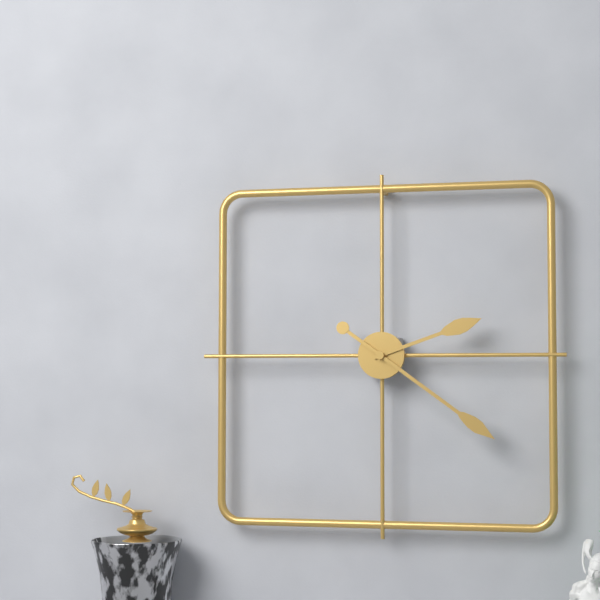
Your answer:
**2:21**
